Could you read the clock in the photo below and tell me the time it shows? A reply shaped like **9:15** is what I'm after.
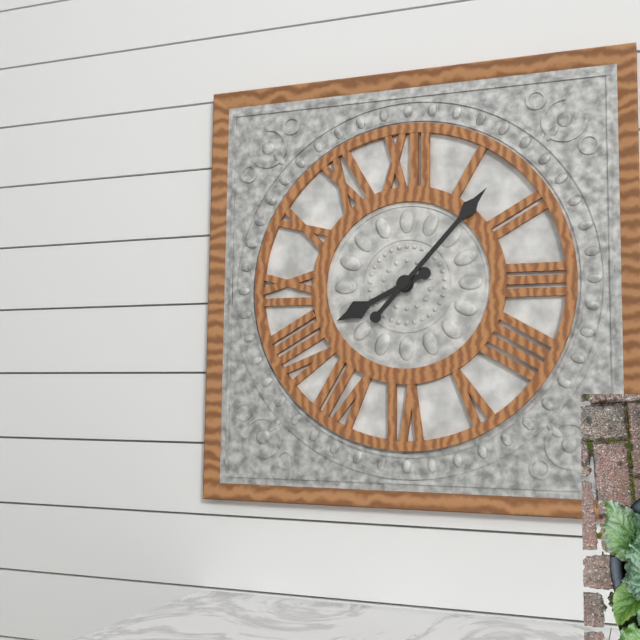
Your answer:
**8:07**
